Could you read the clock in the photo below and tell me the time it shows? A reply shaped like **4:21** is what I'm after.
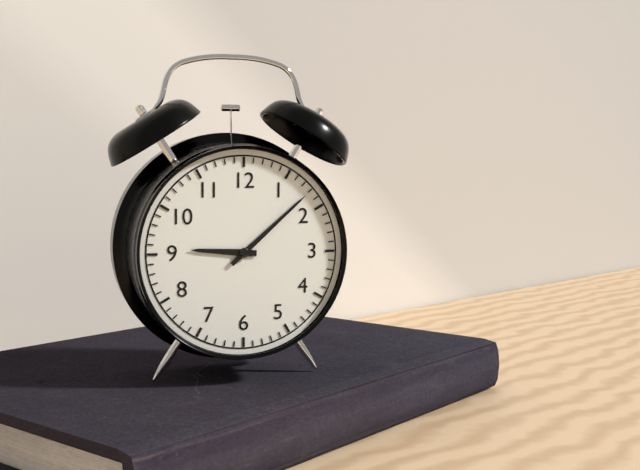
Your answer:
**9:08**
